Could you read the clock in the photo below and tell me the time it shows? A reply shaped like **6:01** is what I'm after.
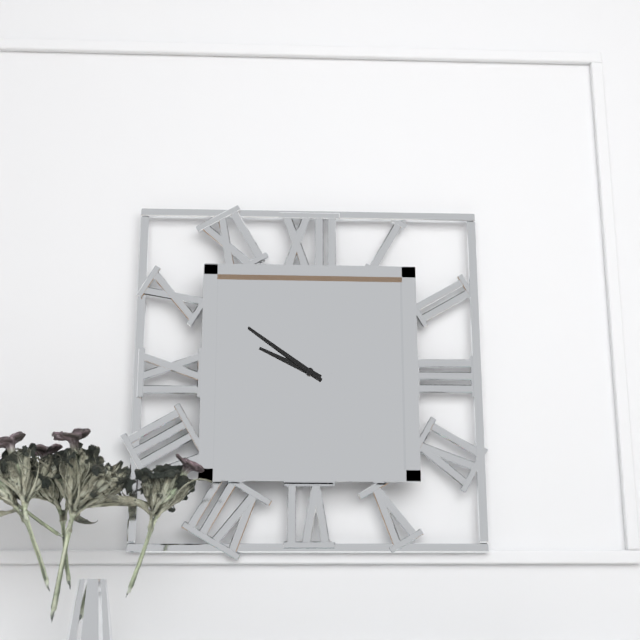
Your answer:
**9:51**
